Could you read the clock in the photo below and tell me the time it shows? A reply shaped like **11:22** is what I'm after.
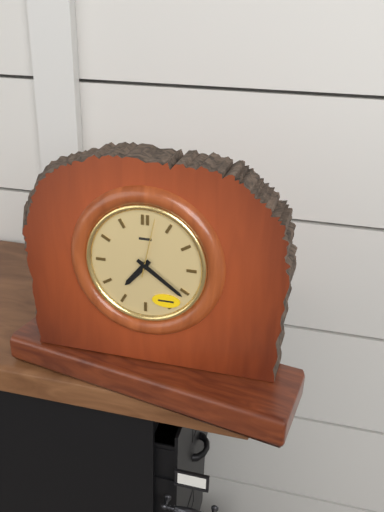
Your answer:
**7:21**
